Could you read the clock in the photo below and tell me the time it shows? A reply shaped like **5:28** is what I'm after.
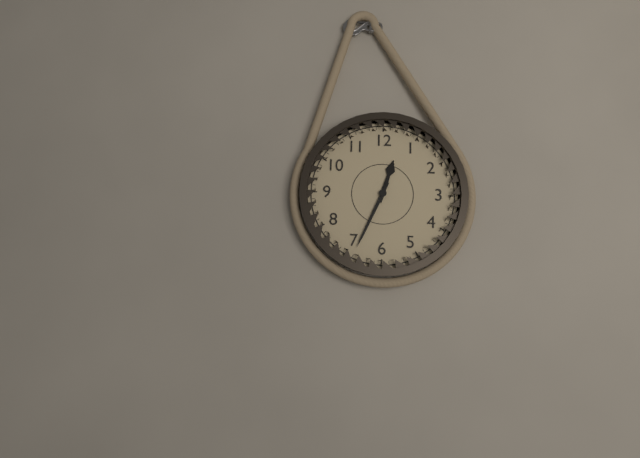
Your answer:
**12:34**
